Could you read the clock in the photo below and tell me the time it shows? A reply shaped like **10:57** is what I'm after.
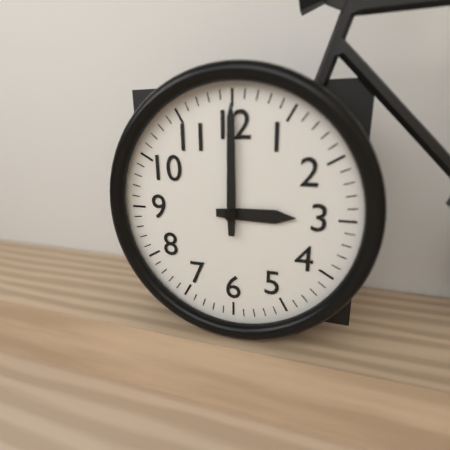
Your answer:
**3:00**
